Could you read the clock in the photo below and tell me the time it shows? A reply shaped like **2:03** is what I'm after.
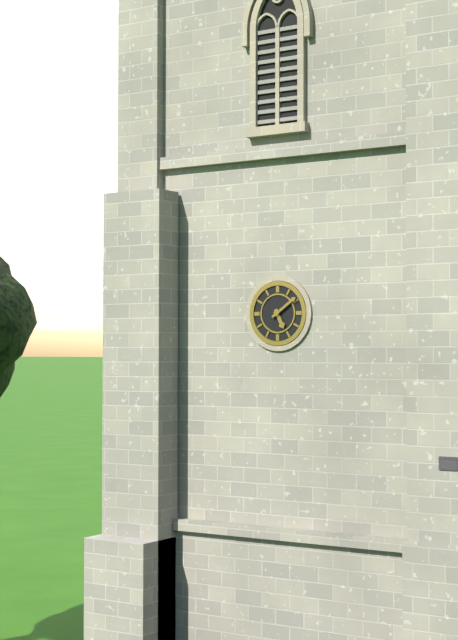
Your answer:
**5:09**
